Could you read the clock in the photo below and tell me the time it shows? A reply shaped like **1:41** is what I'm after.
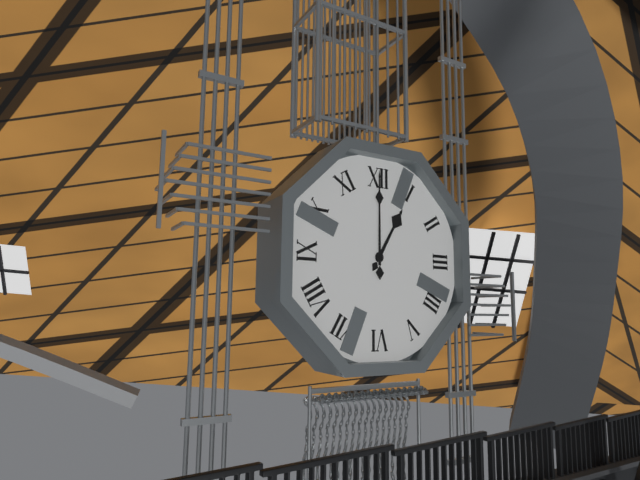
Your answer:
**1:00**
